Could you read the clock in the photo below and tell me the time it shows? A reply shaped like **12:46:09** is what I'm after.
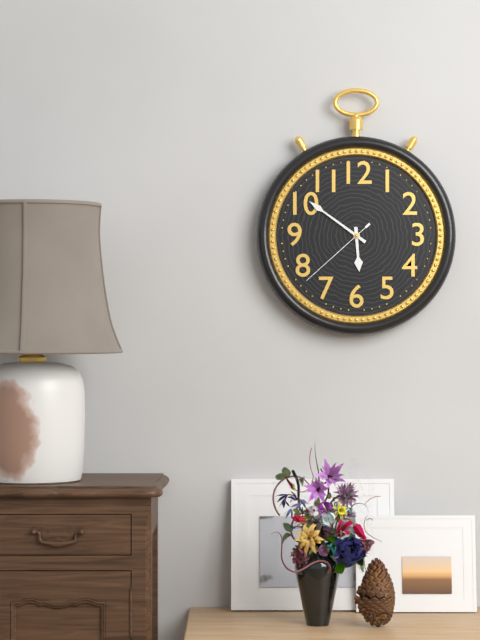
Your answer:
**5:51:38**
